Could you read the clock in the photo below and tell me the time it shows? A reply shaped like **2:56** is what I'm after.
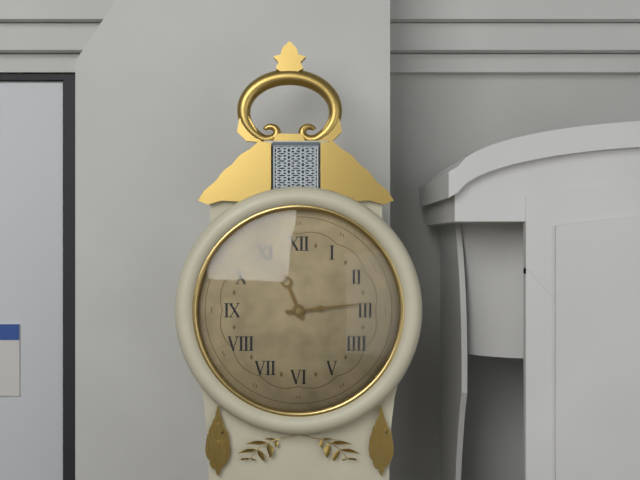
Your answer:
**11:14**
